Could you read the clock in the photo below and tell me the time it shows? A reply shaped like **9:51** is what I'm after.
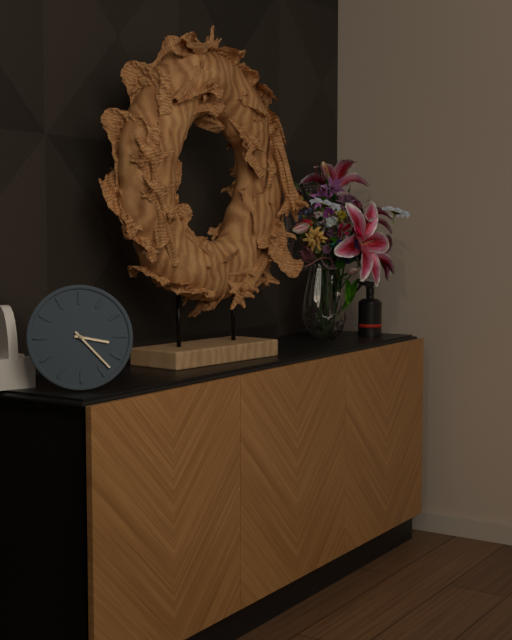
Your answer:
**3:23**
